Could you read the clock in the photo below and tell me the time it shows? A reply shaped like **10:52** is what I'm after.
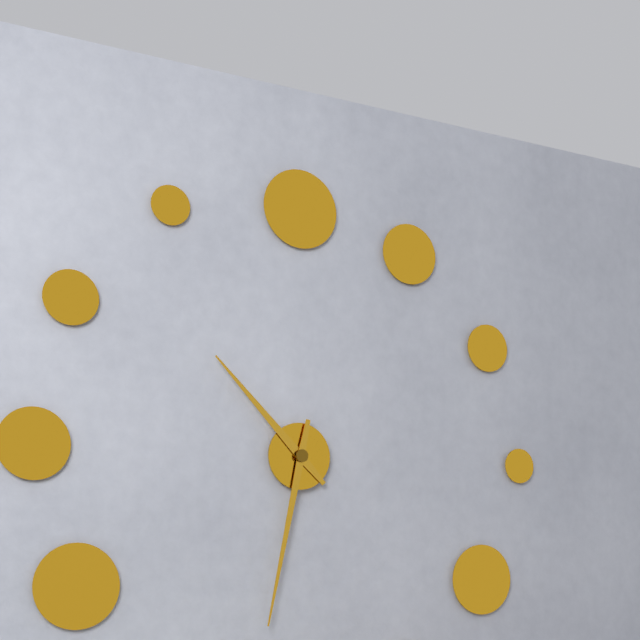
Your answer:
**10:32**
